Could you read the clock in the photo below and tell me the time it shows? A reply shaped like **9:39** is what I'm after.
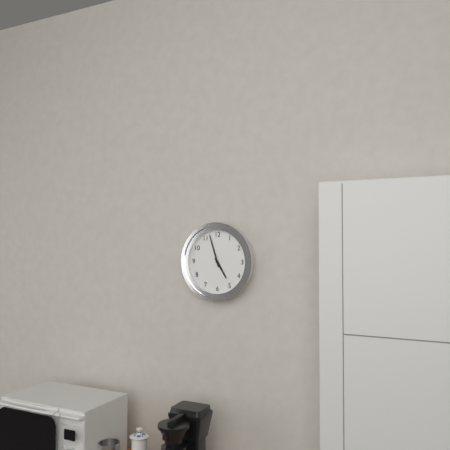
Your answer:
**4:57**
